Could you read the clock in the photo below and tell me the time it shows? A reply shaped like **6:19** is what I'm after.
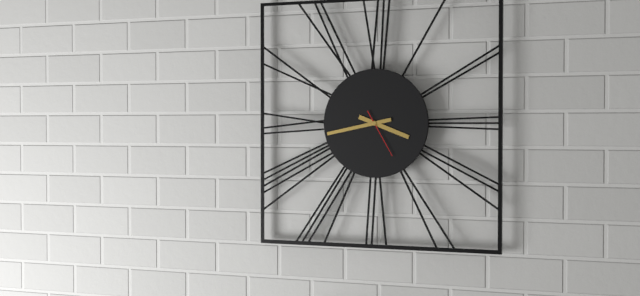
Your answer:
**3:43**
